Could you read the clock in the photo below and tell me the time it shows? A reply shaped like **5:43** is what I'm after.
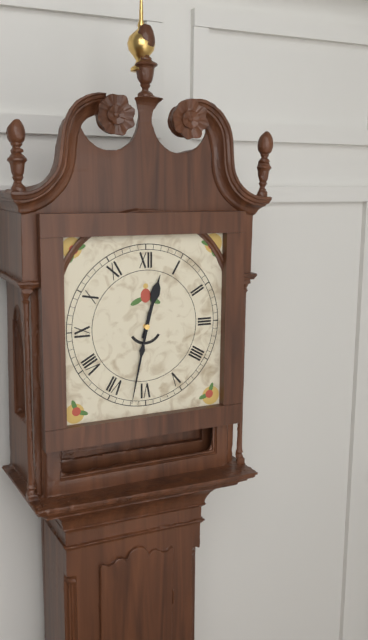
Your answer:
**12:32**
